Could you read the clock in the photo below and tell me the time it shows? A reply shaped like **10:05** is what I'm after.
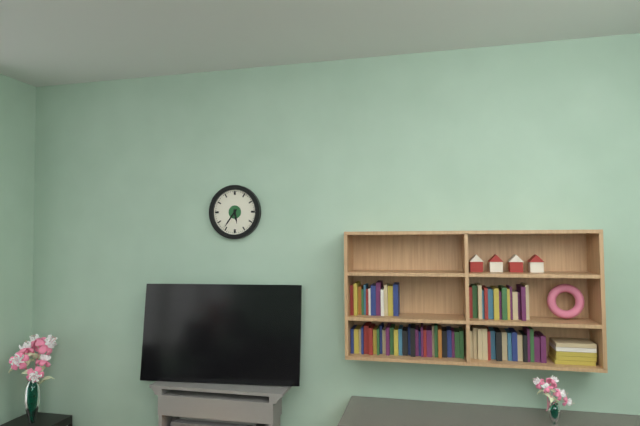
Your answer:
**5:36**
